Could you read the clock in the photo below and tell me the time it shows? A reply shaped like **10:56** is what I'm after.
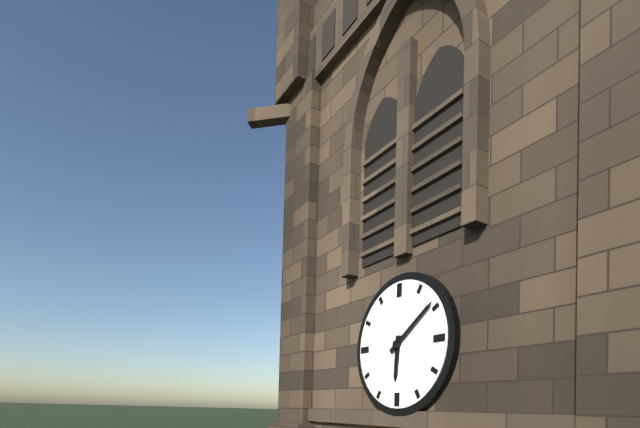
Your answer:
**6:09**
